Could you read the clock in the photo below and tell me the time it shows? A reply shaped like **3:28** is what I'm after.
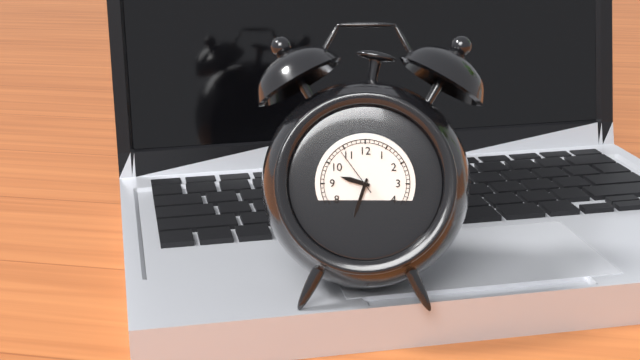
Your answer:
**9:33**
